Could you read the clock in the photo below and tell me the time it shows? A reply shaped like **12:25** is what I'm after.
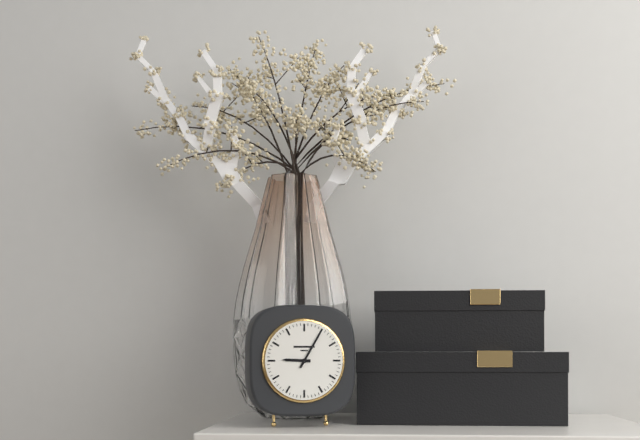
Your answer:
**9:05**
